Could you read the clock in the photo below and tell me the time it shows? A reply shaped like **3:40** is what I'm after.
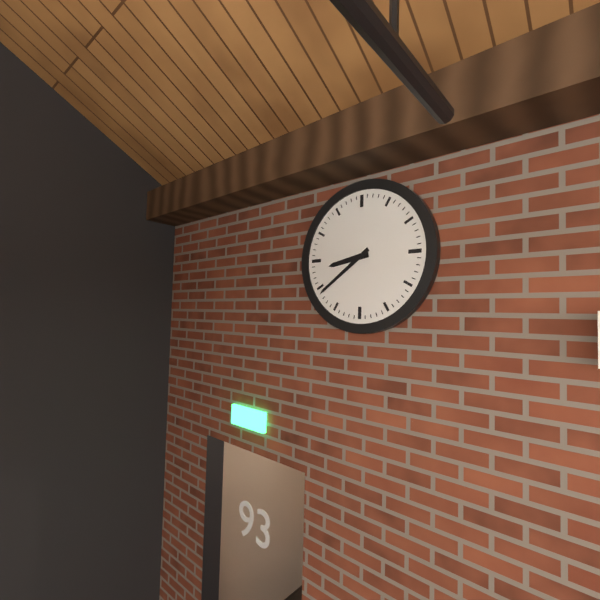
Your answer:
**8:39**
